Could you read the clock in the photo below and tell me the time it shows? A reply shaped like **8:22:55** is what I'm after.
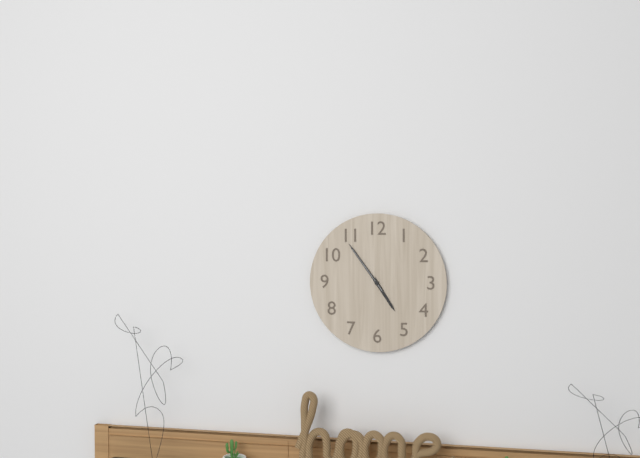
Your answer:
**4:54:54**
